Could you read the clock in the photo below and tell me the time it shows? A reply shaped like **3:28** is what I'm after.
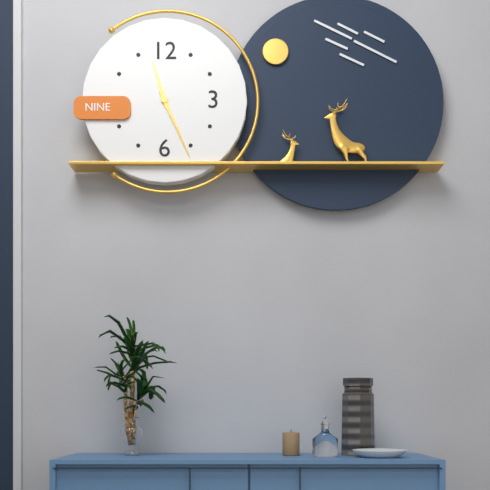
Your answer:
**11:26**
